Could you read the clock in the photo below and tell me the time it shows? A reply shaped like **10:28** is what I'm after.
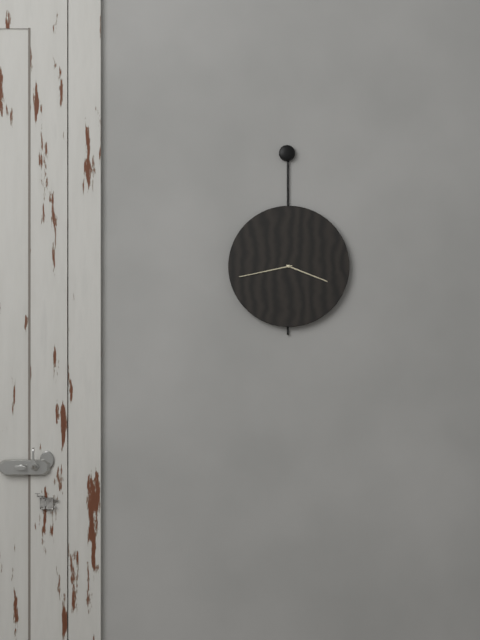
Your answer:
**3:43**
